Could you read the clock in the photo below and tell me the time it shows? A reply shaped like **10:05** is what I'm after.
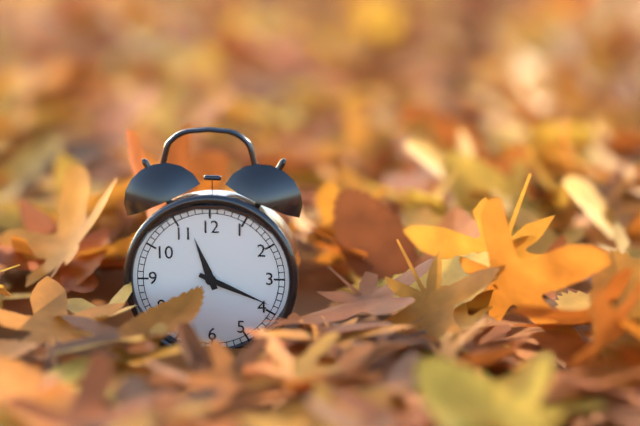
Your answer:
**11:19**
